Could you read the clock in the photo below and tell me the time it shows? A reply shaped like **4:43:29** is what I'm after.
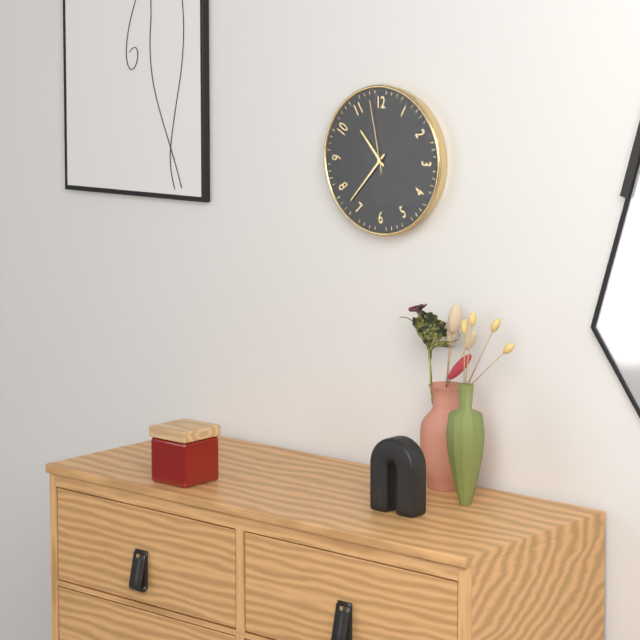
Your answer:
**10:37:58**
